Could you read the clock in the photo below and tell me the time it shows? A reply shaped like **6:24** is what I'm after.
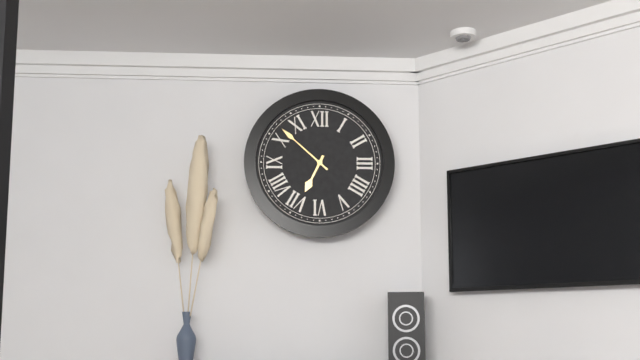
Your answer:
**6:52**
